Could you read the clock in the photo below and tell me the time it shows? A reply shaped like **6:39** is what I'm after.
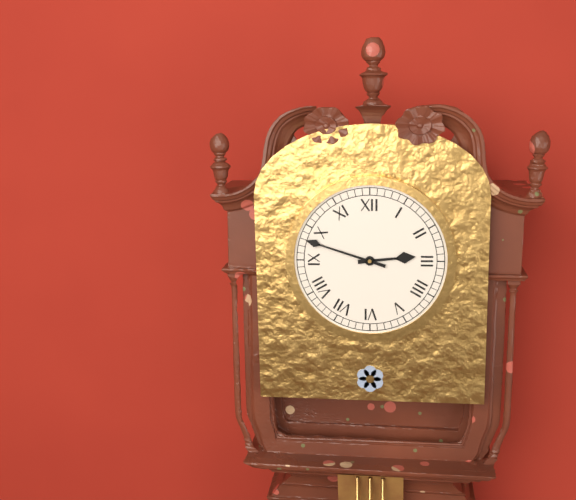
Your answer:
**2:48**
